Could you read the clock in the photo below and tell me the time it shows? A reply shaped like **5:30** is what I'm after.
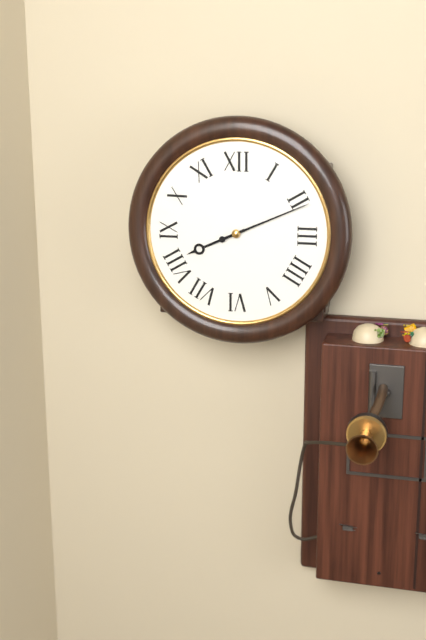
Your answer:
**8:11**
